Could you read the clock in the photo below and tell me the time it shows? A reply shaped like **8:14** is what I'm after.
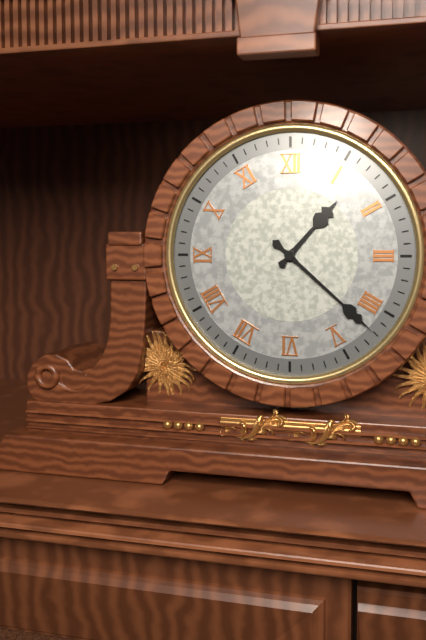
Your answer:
**1:22**
